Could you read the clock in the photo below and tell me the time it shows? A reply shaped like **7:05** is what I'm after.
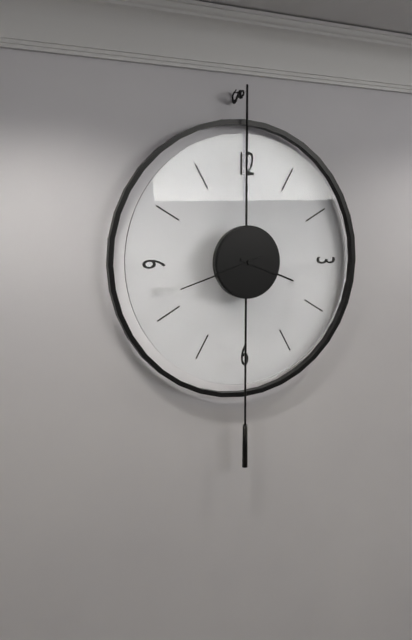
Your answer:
**3:42**
